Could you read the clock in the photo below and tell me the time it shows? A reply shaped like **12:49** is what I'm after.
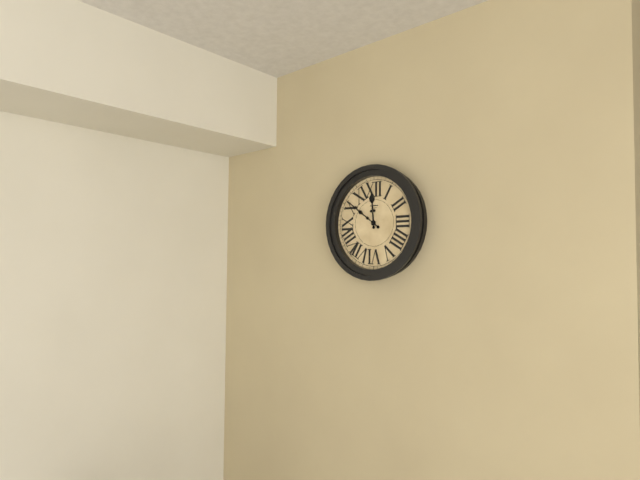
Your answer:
**11:51**
